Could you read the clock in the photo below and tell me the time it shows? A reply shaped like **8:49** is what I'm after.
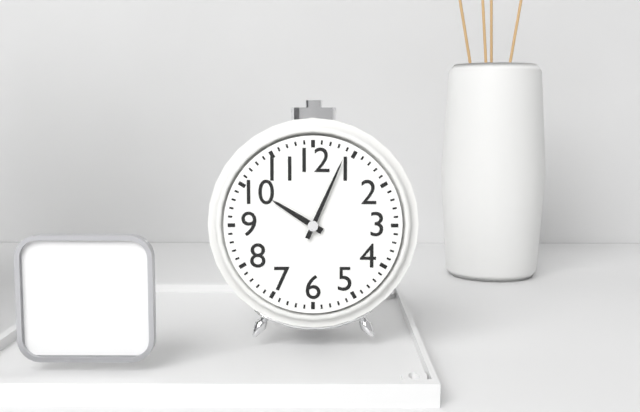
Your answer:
**10:04**
